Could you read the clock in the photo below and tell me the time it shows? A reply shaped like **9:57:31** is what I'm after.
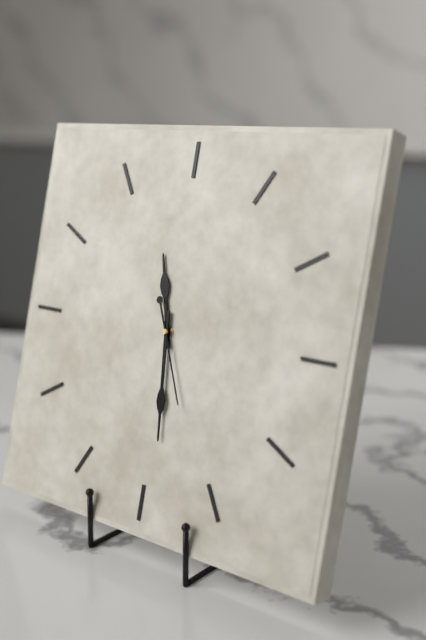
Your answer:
**11:29:26**
